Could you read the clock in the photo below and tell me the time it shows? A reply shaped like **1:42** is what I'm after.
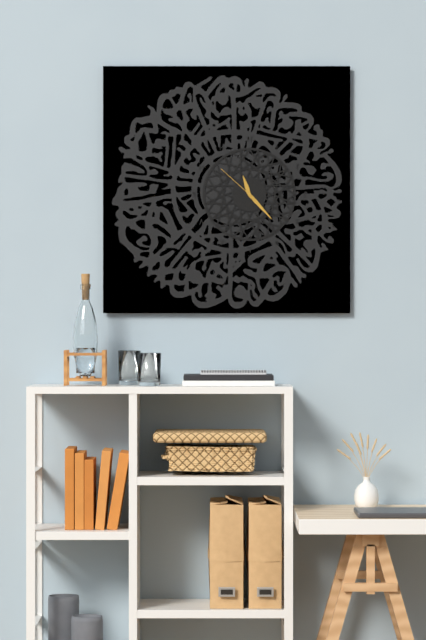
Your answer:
**11:23**
